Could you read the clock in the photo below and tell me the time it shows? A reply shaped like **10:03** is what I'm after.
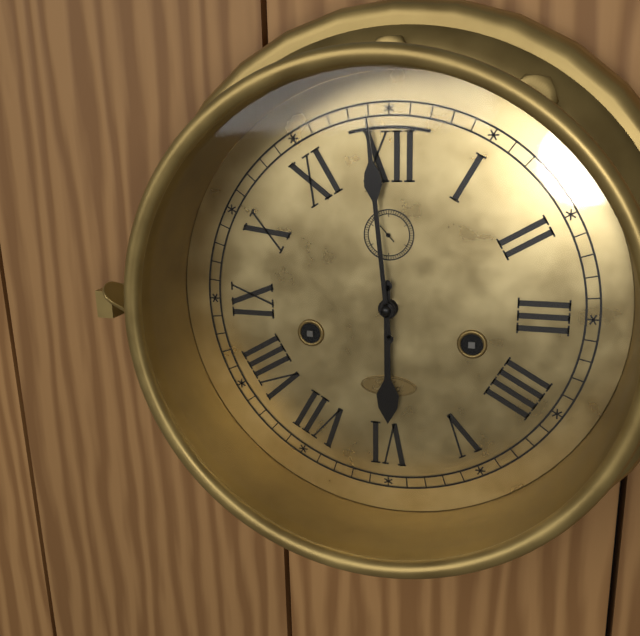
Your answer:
**5:59**
